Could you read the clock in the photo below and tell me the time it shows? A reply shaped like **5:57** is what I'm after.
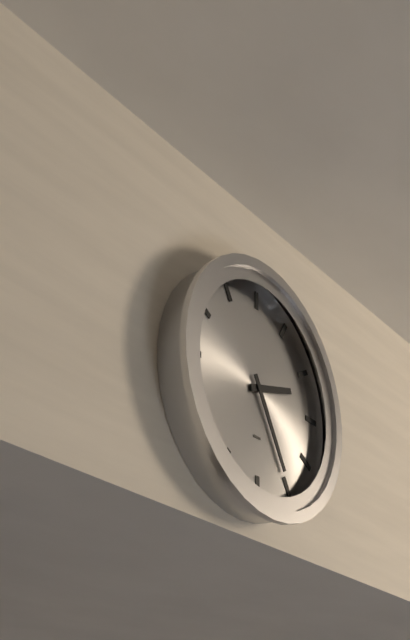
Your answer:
**2:25**
